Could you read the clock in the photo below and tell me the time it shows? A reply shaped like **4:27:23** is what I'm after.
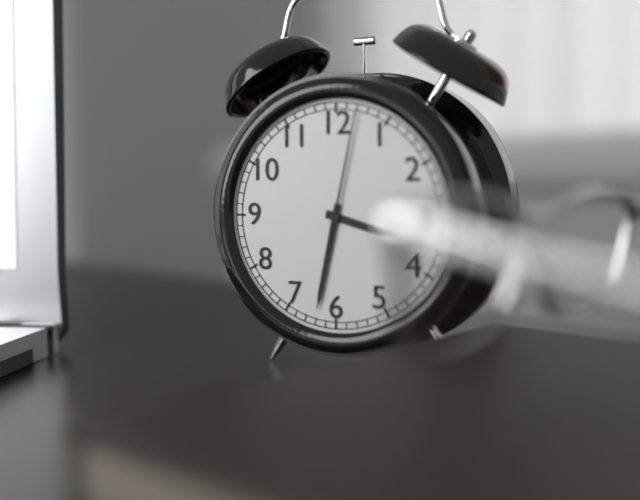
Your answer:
**3:32:02**
